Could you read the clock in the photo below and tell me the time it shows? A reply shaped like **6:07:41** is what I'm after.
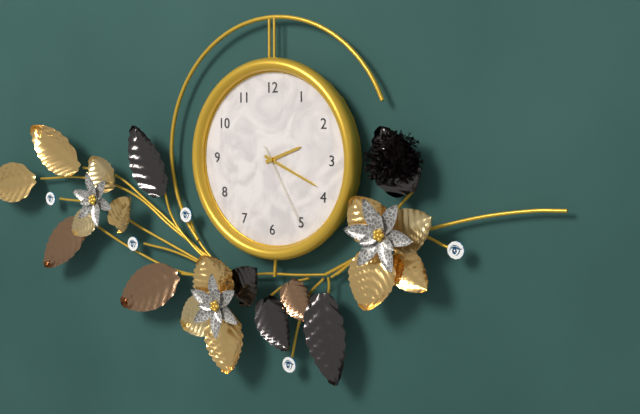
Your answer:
**2:19:25**
